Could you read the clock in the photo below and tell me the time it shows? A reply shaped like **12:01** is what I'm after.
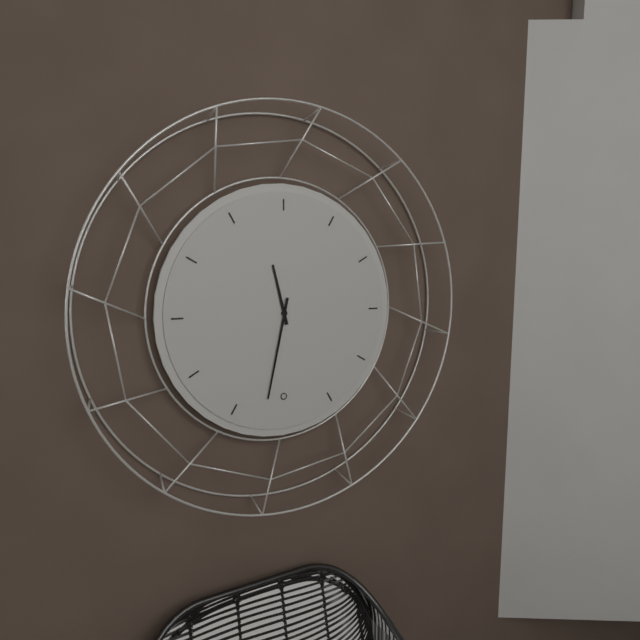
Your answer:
**11:32**
